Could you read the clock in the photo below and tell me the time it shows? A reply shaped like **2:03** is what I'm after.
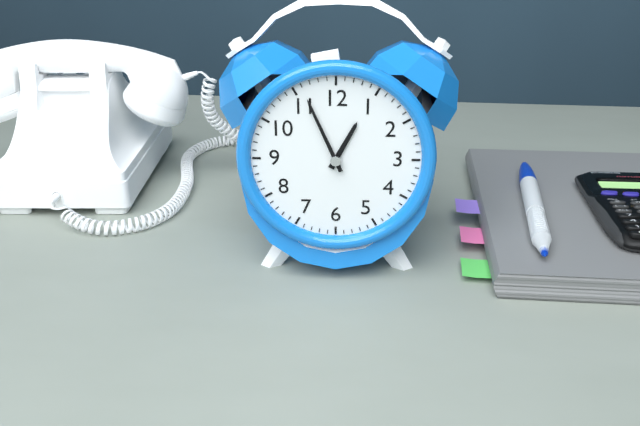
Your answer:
**12:56**
